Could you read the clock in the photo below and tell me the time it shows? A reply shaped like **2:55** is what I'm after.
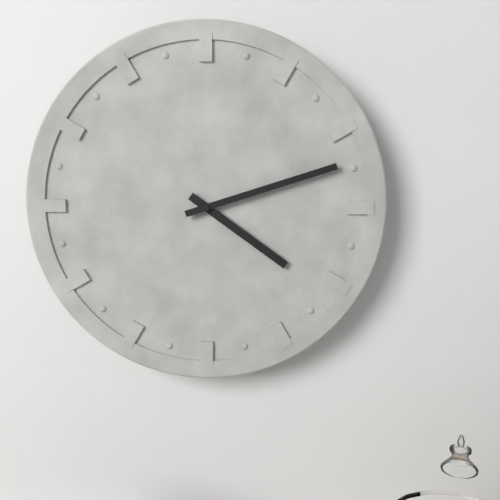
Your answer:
**4:12**
